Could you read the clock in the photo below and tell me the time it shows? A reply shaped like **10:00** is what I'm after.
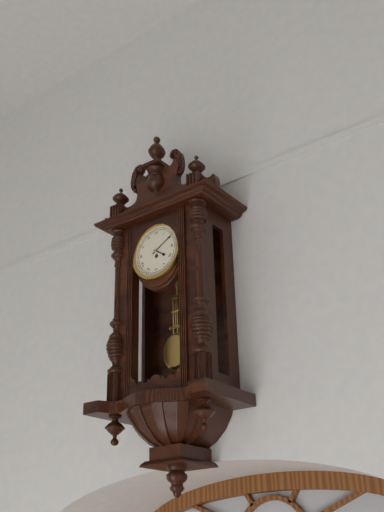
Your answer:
**4:10**
